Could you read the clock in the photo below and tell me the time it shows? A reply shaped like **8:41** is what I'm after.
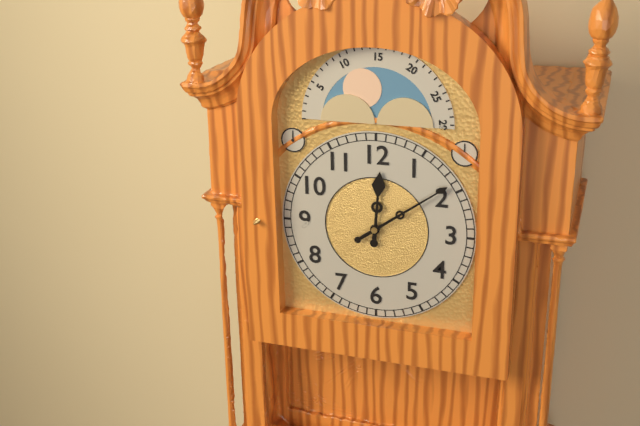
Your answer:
**12:09**
